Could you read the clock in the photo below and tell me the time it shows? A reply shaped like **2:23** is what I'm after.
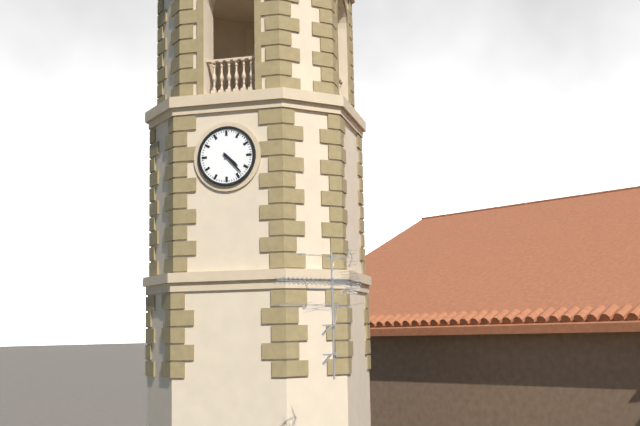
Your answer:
**4:23**
